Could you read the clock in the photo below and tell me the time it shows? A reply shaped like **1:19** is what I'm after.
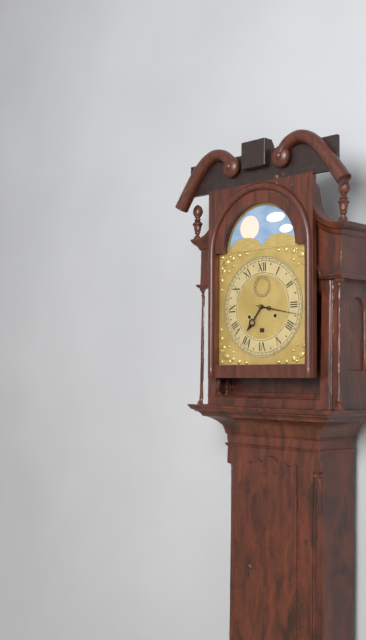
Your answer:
**7:17**
